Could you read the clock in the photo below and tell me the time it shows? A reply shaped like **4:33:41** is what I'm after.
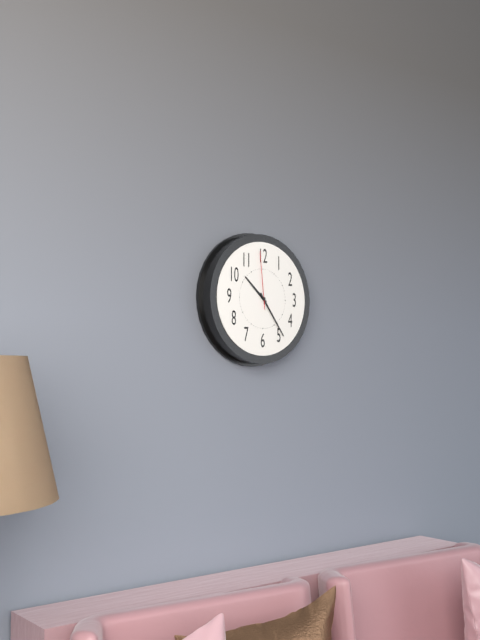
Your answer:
**10:24:59**
